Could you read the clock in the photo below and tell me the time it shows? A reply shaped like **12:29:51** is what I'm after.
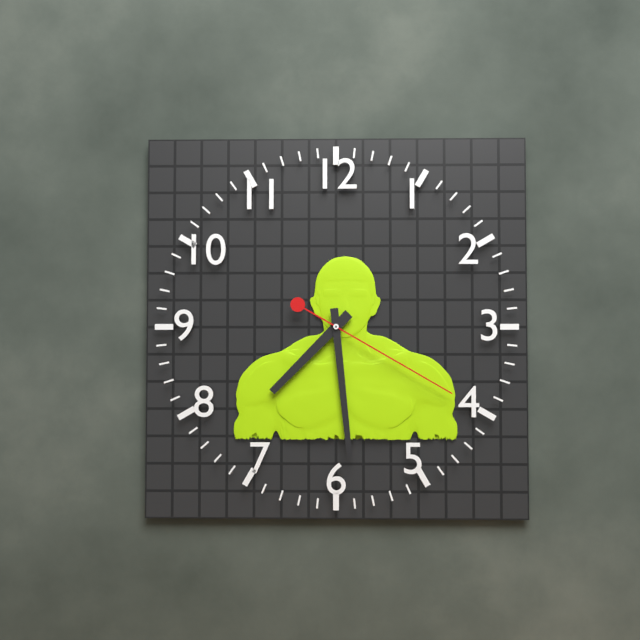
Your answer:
**7:29:20**
